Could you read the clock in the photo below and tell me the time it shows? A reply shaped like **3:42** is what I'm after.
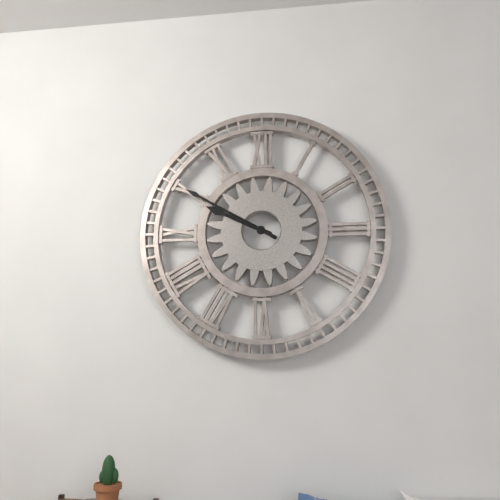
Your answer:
**9:50**
